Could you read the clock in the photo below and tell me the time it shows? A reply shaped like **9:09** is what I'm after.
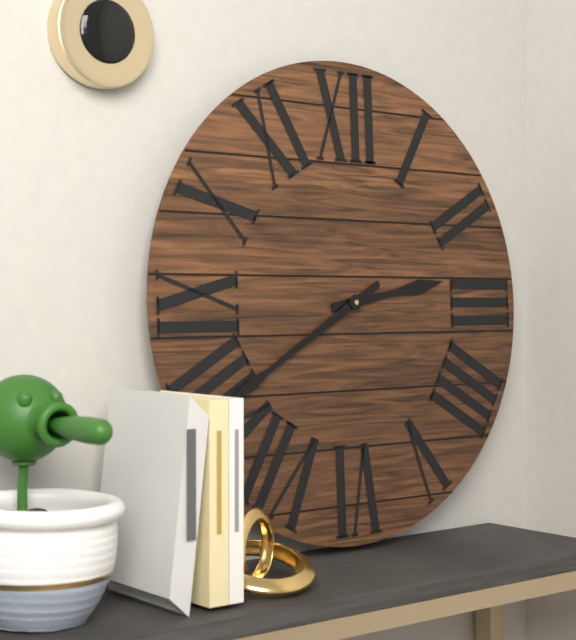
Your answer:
**2:40**
